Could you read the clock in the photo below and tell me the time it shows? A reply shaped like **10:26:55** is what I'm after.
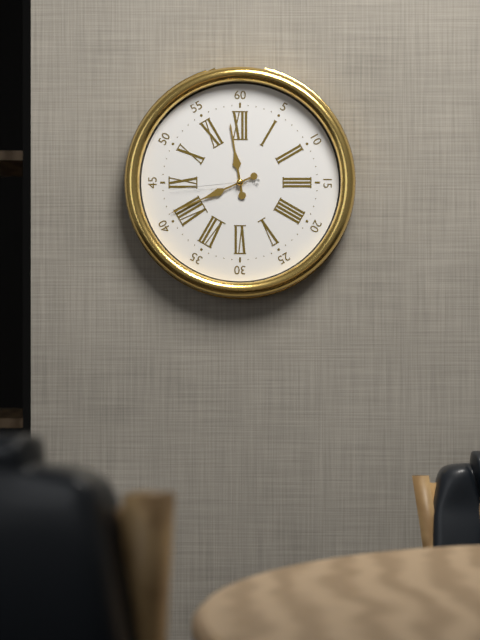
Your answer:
**11:41:44**
